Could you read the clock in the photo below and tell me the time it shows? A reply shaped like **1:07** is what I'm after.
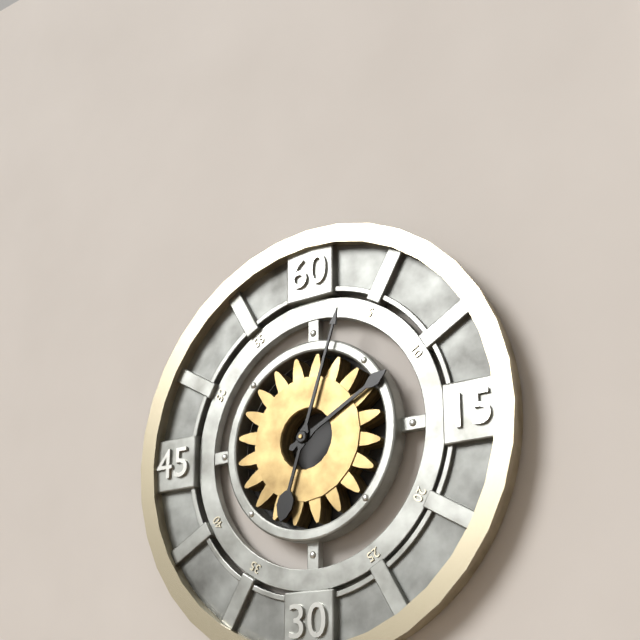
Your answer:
**2:03**
